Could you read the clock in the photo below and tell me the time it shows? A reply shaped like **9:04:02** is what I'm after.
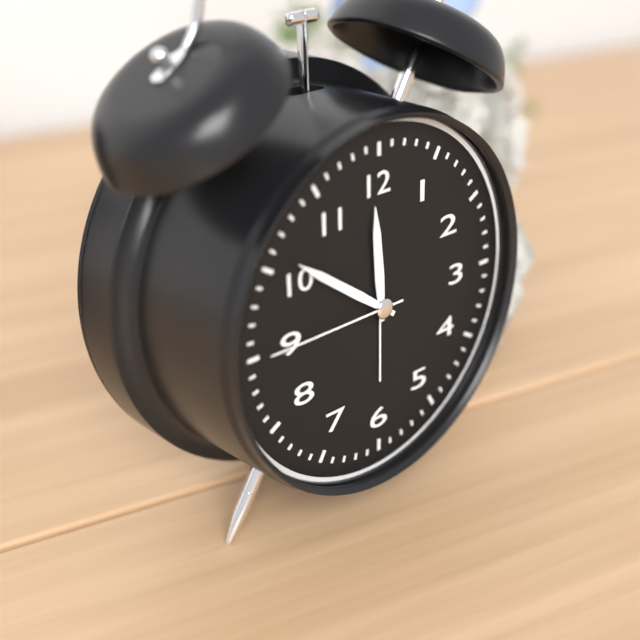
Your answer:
**11:51:45**
